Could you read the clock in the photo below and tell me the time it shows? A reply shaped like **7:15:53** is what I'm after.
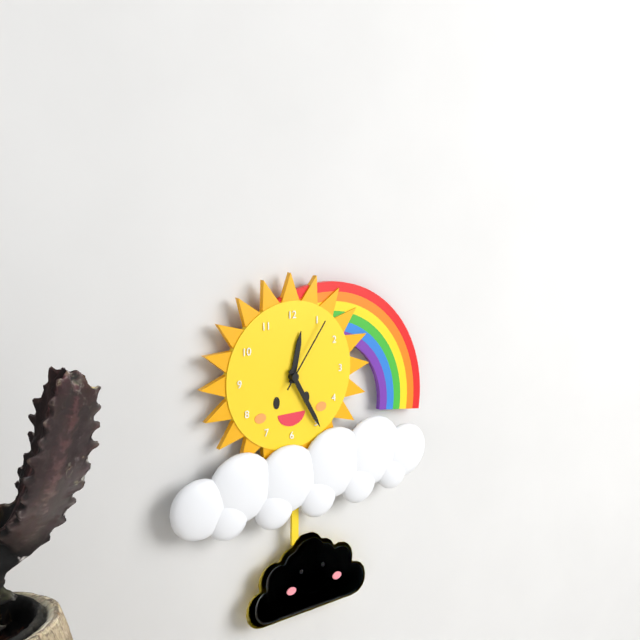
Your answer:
**12:25:06**
